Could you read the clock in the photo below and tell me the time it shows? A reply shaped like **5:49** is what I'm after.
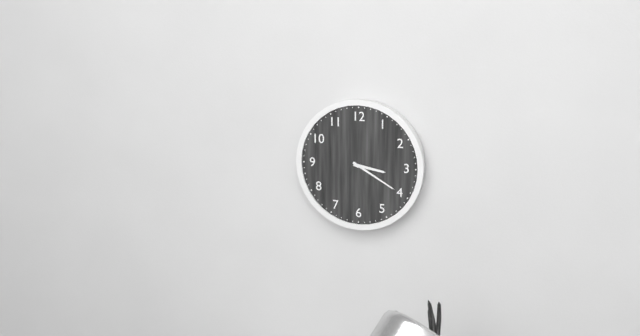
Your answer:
**3:20**
